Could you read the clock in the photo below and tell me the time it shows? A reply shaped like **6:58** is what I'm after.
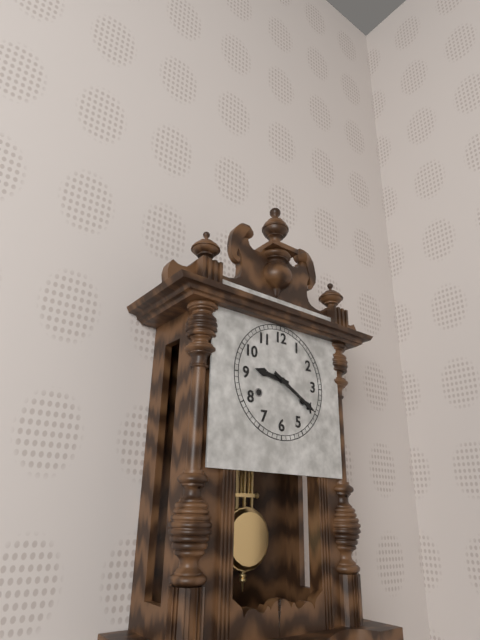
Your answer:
**9:20**
